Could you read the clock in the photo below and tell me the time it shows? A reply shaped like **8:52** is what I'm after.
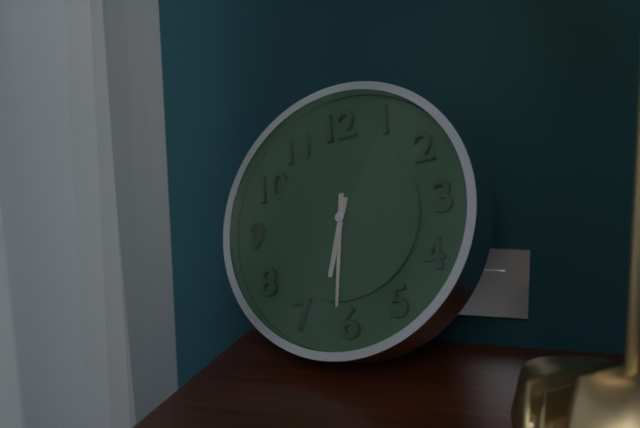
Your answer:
**6:31**
